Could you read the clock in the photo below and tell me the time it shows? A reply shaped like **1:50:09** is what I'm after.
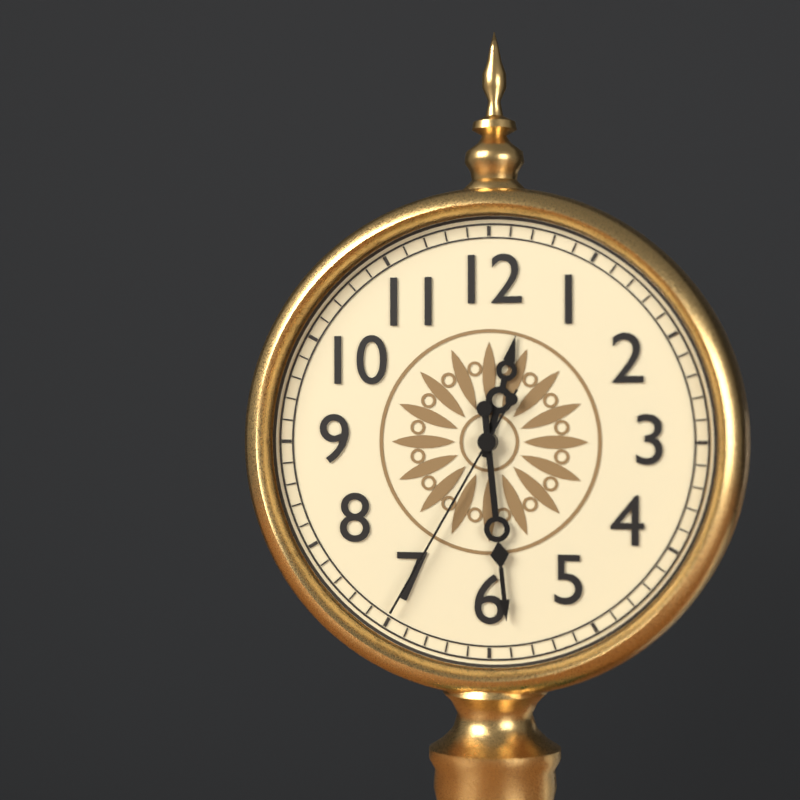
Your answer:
**12:29:35**
